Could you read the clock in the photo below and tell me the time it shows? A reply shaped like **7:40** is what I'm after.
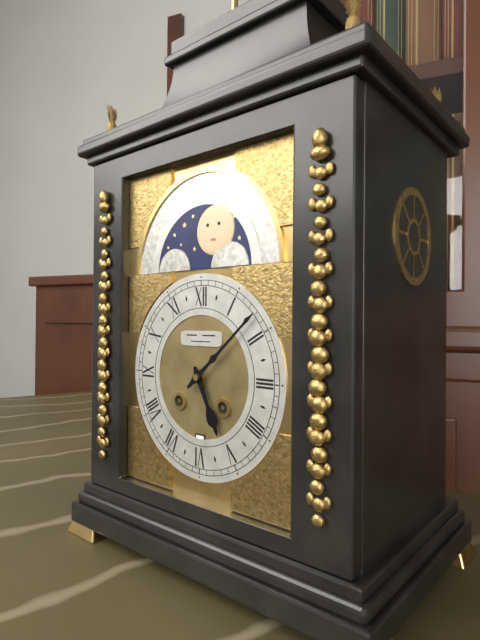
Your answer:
**5:08**
